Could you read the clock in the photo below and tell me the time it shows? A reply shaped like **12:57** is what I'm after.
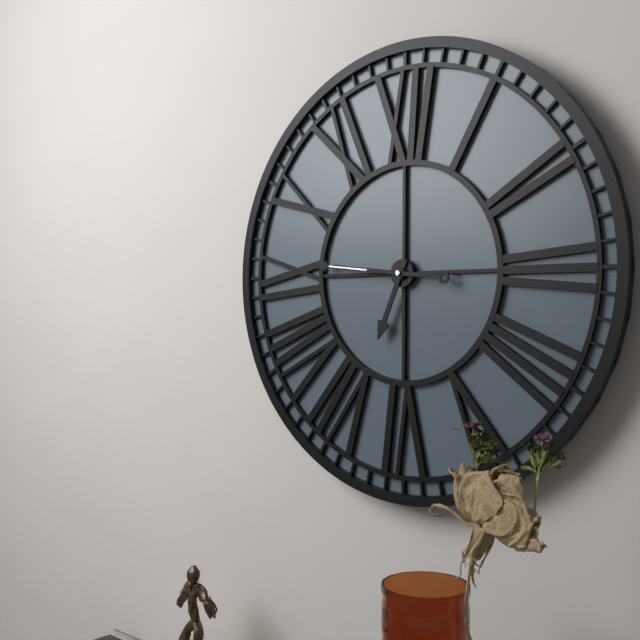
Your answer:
**6:46**
